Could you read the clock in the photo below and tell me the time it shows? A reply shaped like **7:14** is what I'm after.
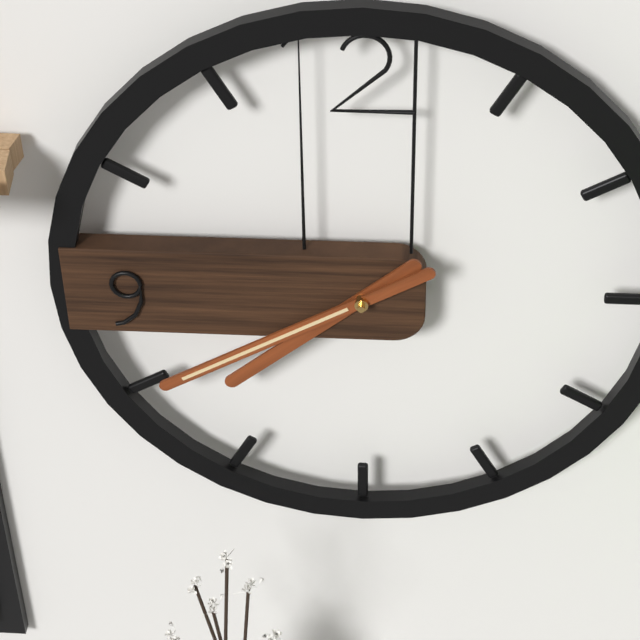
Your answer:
**7:40**
